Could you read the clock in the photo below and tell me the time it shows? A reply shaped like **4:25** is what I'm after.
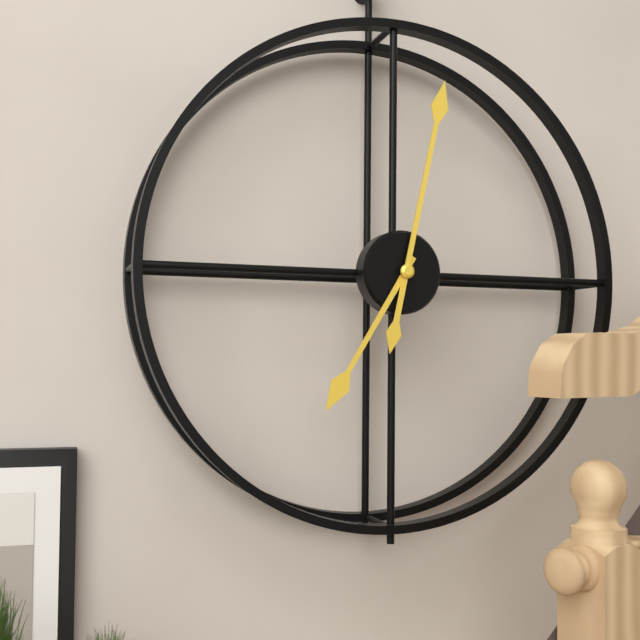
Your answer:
**7:02**
